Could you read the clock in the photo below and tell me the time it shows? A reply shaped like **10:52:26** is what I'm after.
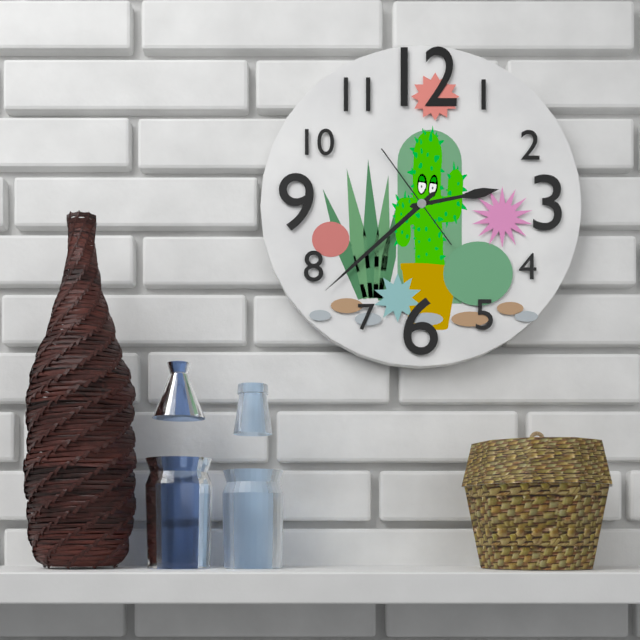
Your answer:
**2:38:54**
